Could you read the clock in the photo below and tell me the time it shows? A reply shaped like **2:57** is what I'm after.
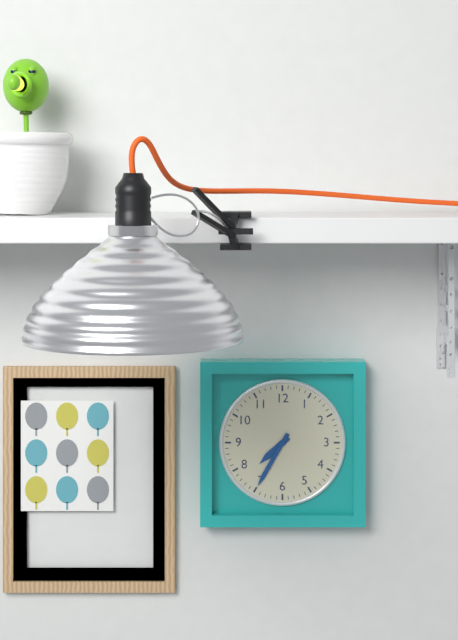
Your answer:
**7:35**
